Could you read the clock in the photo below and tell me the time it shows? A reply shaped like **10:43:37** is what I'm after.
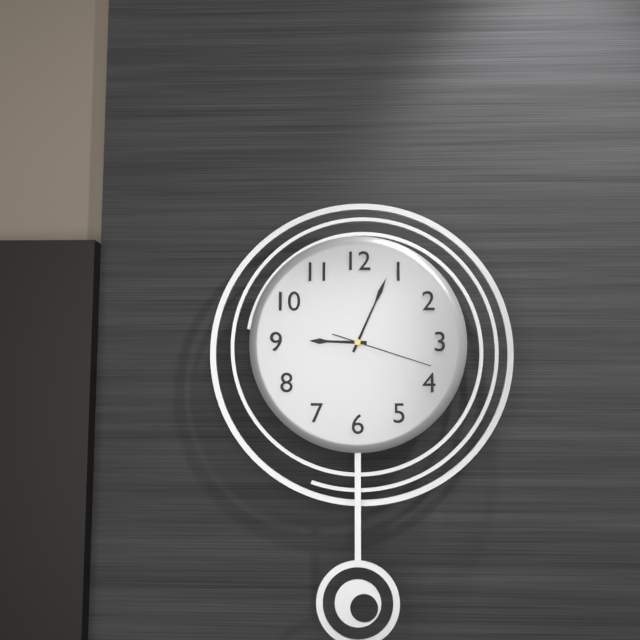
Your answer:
**9:04:18**
